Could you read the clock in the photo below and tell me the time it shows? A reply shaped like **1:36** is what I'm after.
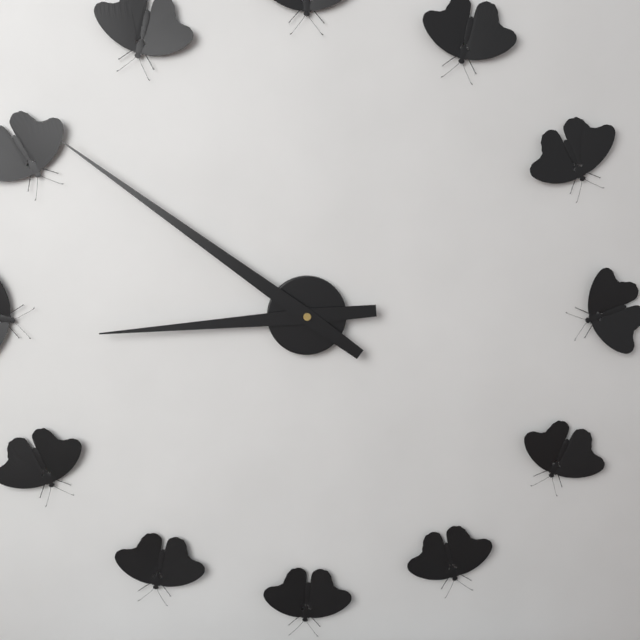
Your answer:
**8:51**
